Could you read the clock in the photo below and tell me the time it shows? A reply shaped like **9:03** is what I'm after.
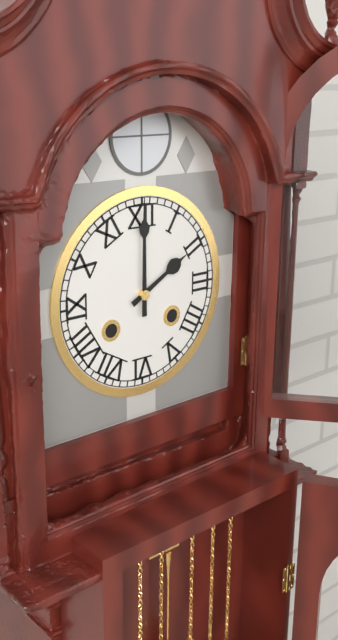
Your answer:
**2:00**
